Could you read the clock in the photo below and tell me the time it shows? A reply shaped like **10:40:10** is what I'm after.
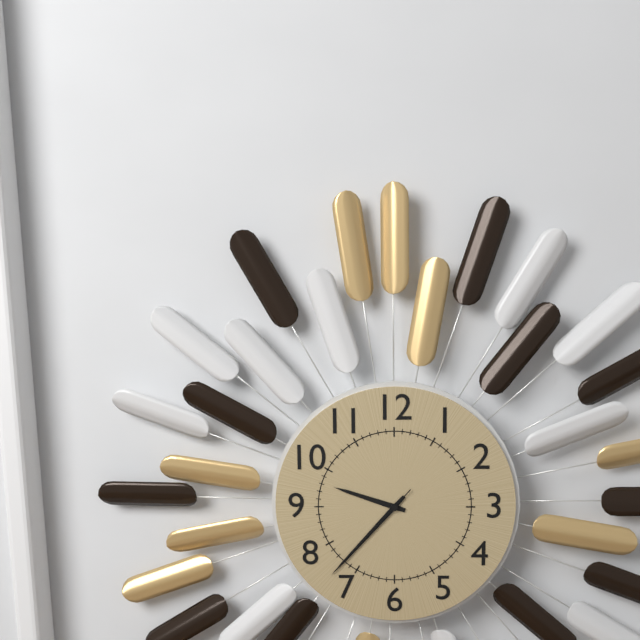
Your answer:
**9:37:37**
